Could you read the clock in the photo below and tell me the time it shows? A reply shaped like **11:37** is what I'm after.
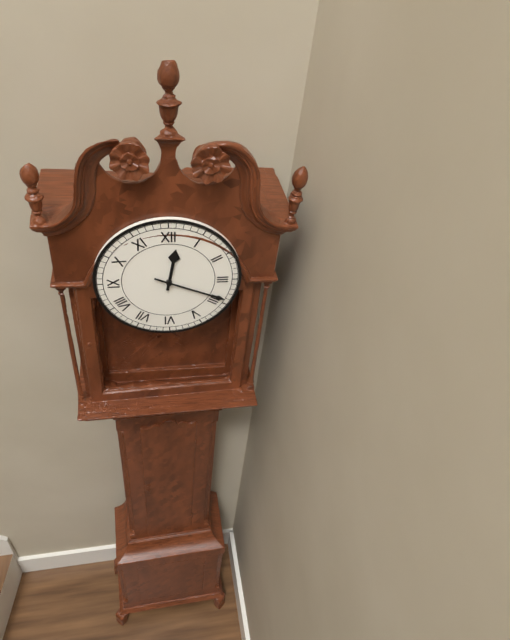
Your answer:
**12:19**
